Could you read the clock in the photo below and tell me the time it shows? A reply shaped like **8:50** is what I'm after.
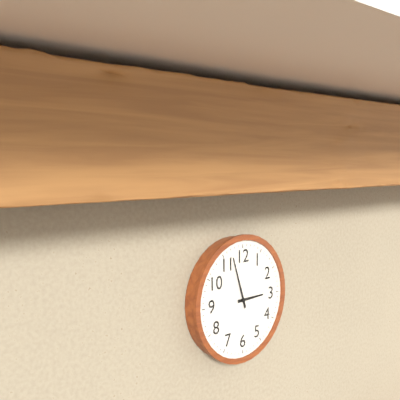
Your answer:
**2:57**
